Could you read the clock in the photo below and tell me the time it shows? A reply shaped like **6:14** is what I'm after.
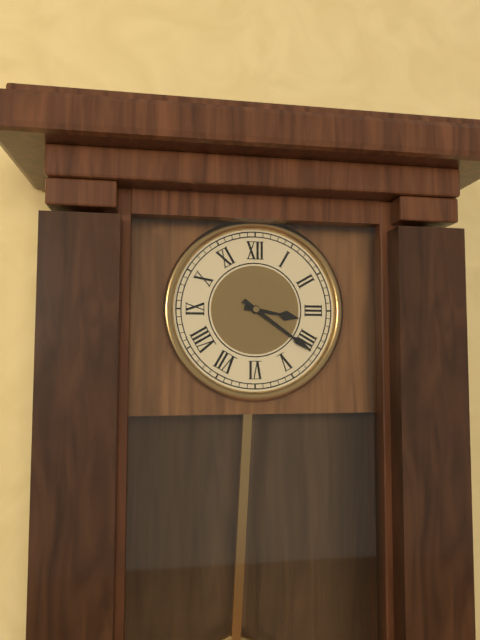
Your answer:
**3:21**
